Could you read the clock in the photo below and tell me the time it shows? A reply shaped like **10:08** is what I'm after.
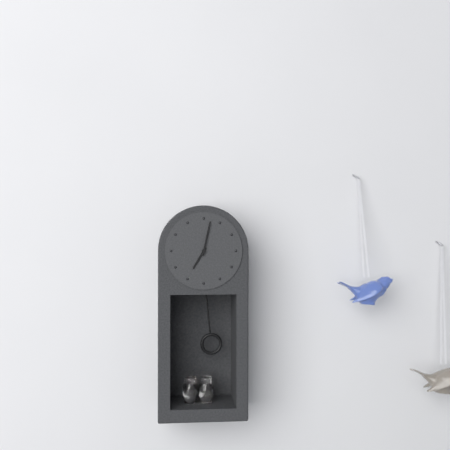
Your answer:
**7:02**
